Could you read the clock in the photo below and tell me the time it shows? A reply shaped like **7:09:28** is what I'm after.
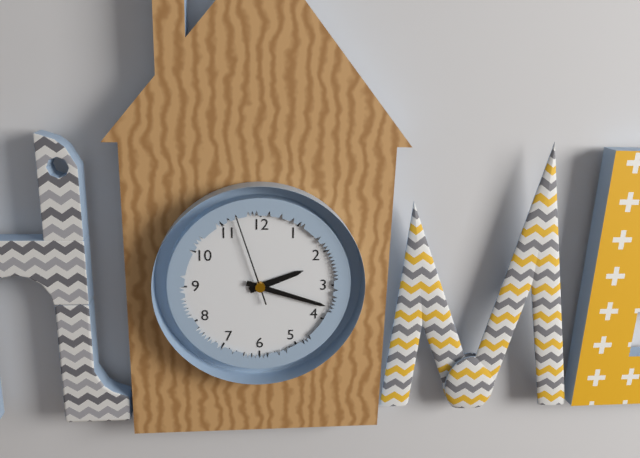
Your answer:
**2:18:57**
